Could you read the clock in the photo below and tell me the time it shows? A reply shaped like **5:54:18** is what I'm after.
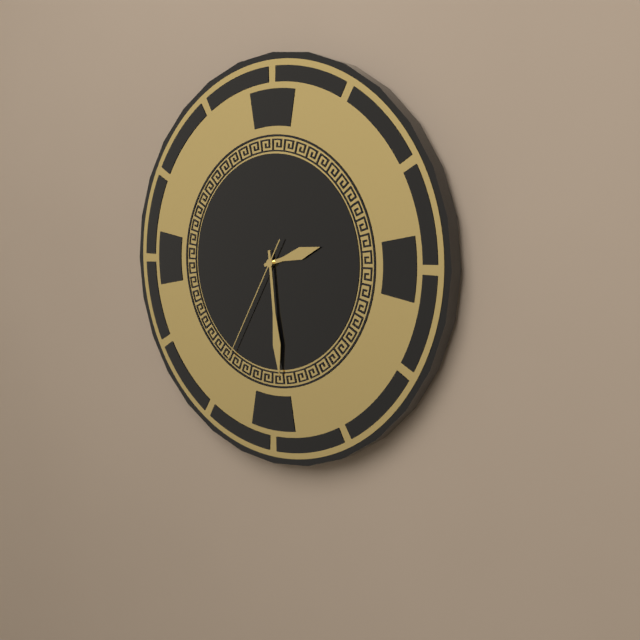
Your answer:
**2:29:35**
